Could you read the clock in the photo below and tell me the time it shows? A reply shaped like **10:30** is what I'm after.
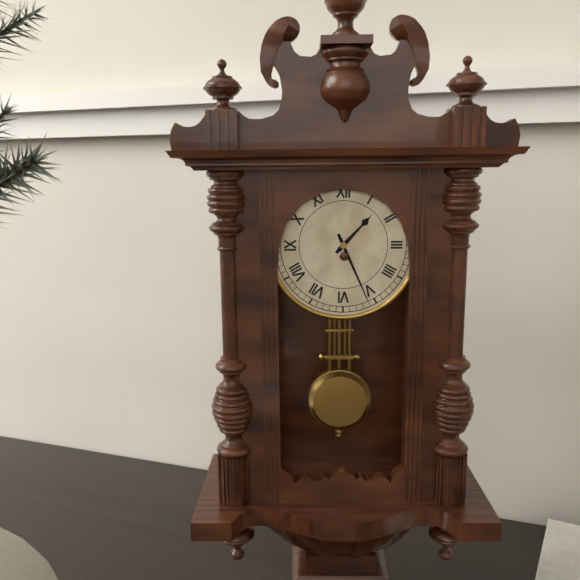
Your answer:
**1:26**
